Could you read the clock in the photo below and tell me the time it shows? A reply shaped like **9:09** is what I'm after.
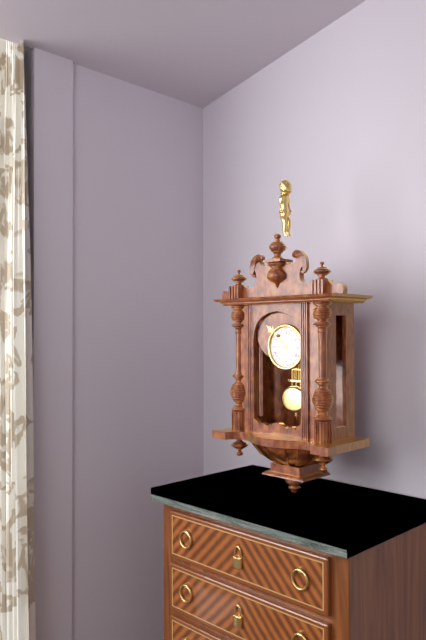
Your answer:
**8:53**
